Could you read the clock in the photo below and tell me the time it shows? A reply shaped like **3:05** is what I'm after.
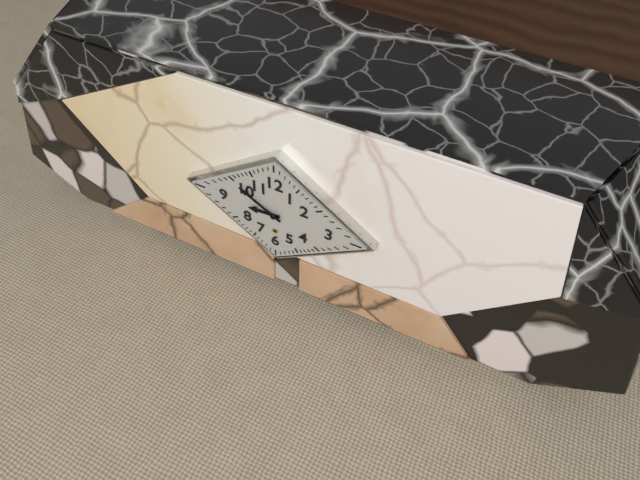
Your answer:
**8:50**
